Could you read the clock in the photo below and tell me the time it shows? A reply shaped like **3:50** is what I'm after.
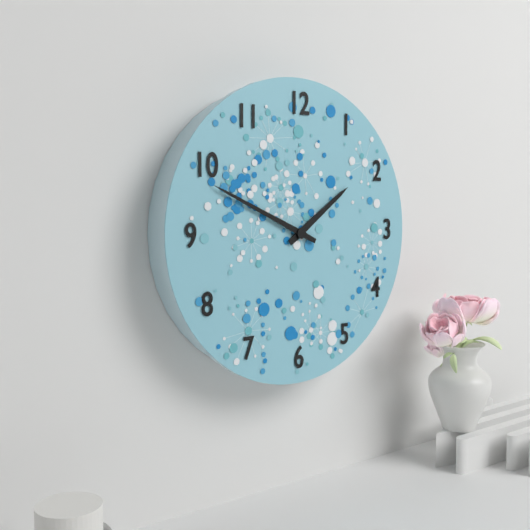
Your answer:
**1:49**
